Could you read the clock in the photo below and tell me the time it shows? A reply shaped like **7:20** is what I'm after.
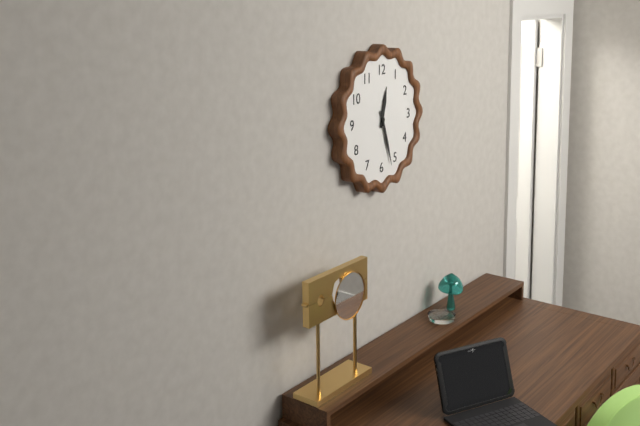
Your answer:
**12:27**
